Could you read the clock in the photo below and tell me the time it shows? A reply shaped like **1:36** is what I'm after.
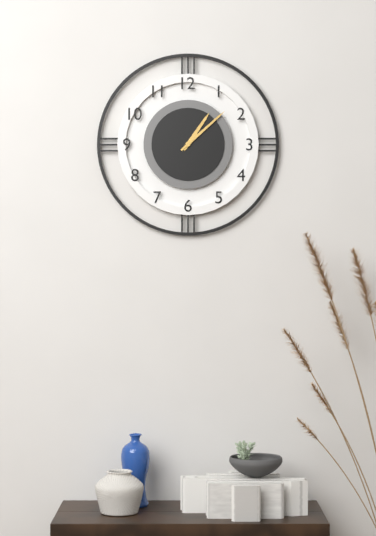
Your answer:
**1:08**
